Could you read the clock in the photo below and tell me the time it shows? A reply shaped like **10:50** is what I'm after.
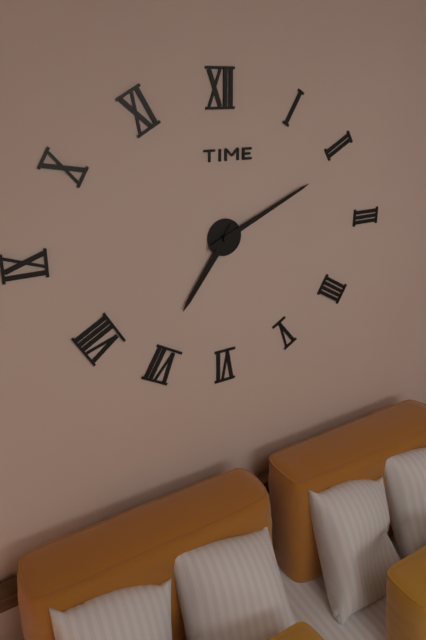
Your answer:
**7:11**
